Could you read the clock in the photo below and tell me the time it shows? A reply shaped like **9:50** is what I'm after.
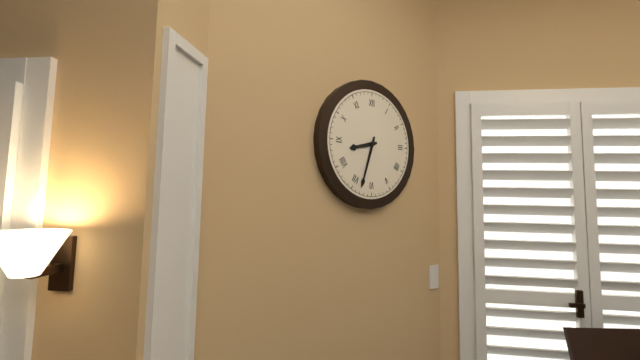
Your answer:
**8:33**
